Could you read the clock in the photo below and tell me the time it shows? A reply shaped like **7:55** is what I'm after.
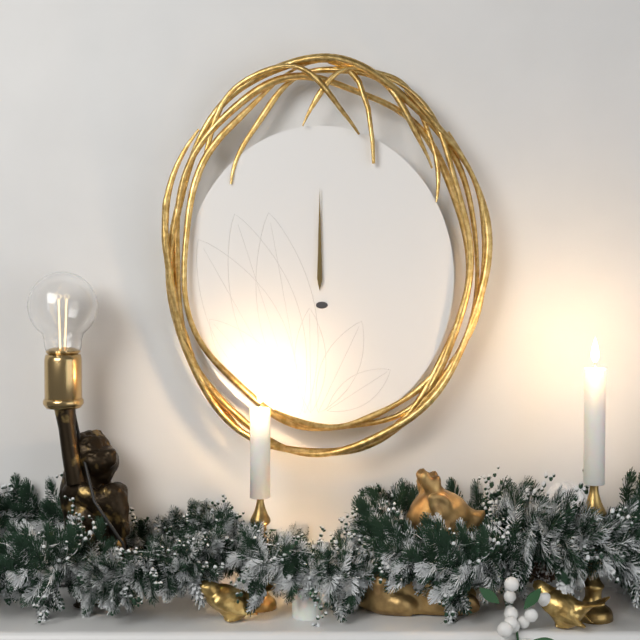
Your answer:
**12:00**
